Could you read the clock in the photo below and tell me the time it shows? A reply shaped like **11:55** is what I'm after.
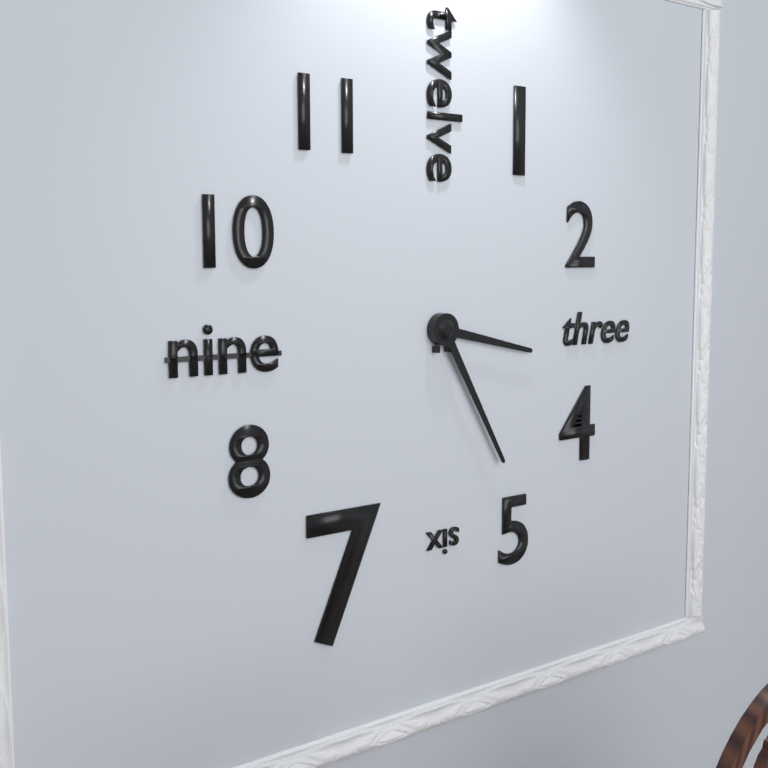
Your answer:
**3:25**
